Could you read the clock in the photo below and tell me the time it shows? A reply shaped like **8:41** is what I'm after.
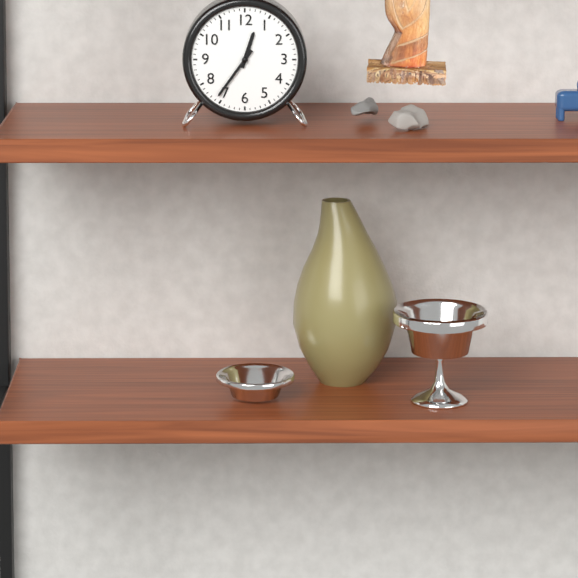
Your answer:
**12:36**
